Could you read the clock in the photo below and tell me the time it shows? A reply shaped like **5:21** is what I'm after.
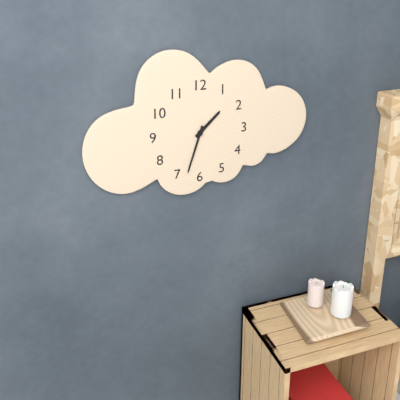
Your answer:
**1:33**
